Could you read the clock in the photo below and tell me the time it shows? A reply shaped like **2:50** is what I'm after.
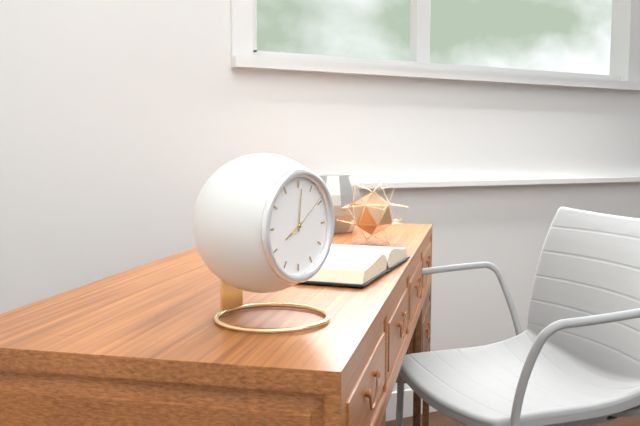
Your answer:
**8:01**
